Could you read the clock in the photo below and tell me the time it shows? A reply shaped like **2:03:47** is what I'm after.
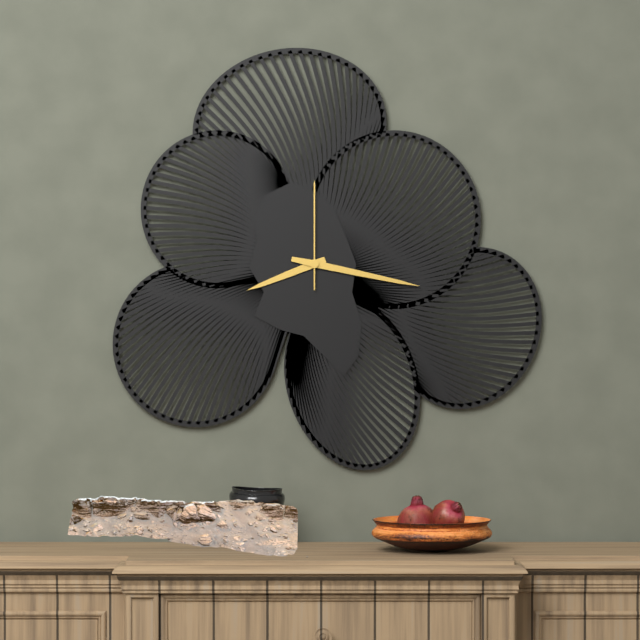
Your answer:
**8:17:00**
